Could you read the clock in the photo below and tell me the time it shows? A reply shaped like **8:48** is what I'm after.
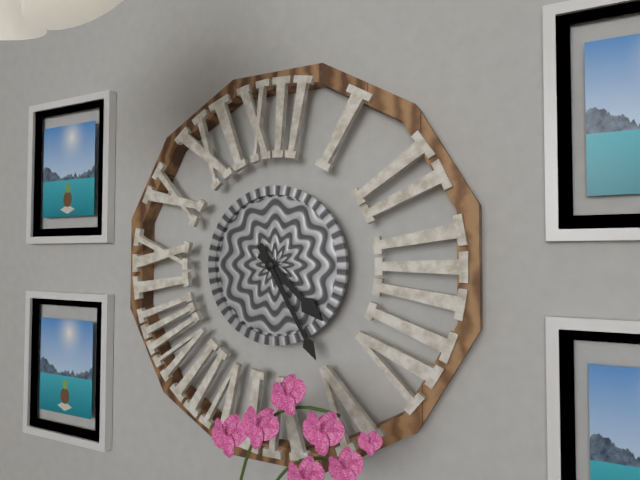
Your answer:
**4:25**
